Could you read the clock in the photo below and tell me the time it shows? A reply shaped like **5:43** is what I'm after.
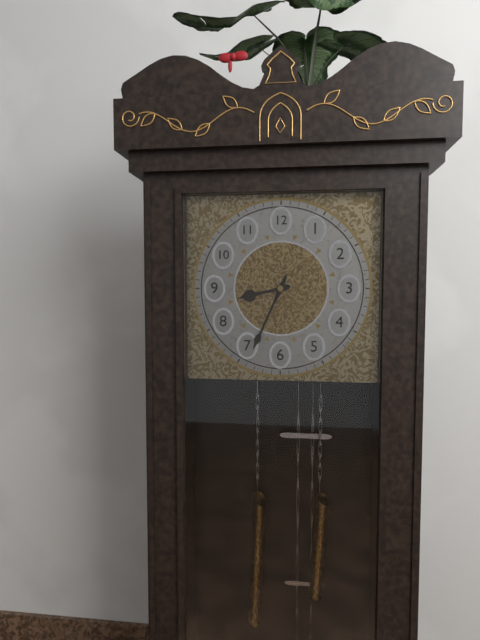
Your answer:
**8:34**
